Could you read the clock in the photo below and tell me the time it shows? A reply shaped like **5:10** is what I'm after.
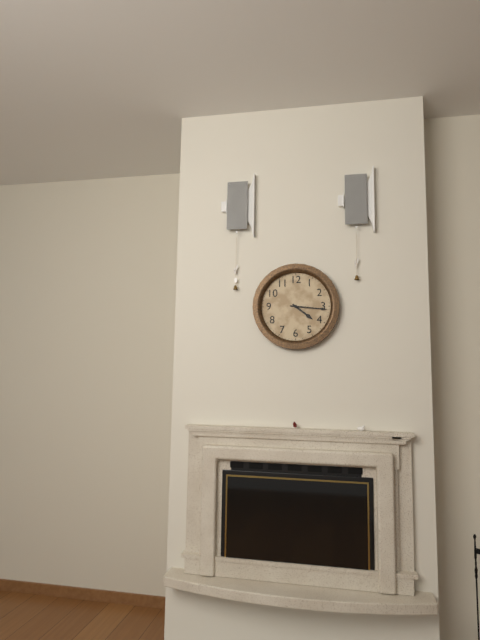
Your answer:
**4:16**
